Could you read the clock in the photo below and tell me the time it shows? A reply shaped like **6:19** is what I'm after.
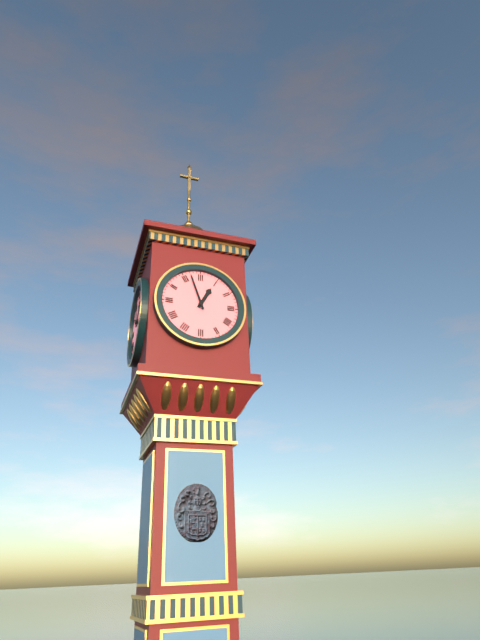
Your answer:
**12:57**
